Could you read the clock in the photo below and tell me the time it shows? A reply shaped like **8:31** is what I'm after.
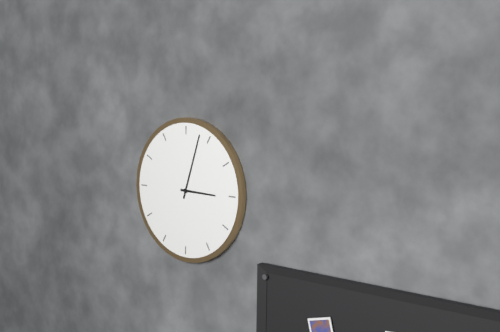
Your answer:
**3:03**
